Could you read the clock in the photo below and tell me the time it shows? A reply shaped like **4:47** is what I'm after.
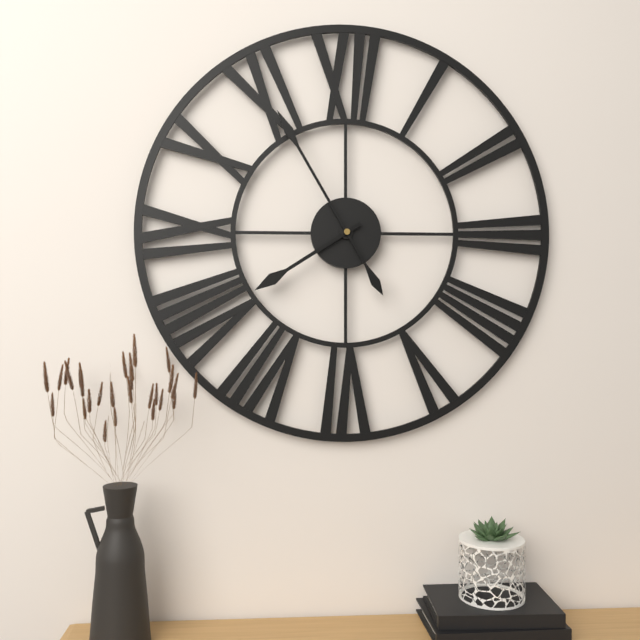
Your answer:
**7:55**
